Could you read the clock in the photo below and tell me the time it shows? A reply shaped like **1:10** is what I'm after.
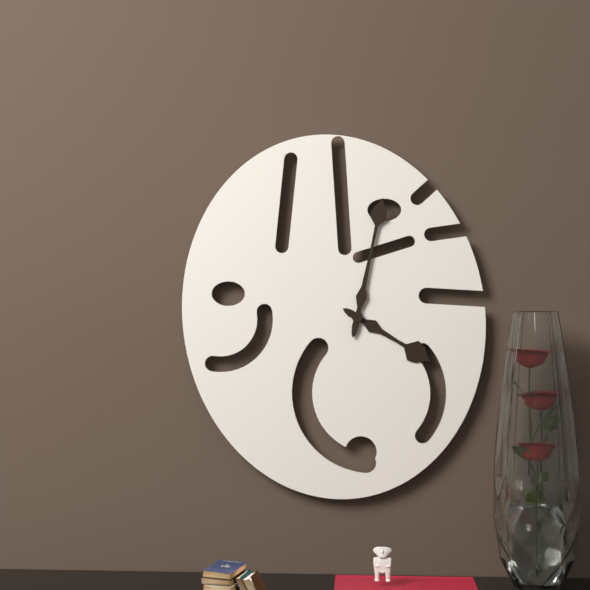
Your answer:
**4:02**
